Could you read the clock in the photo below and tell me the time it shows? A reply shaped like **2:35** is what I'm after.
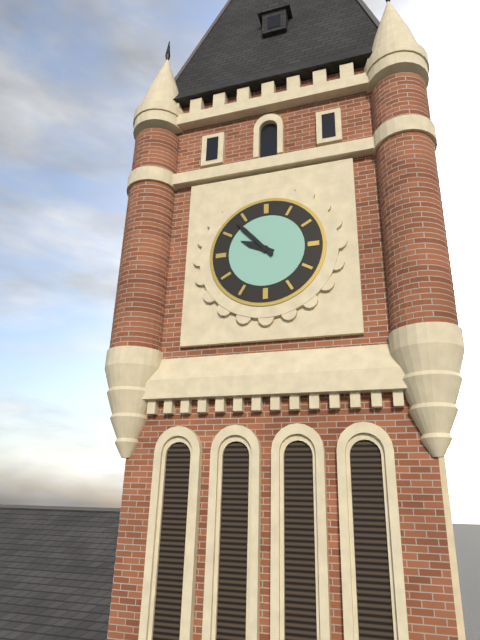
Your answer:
**9:53**
